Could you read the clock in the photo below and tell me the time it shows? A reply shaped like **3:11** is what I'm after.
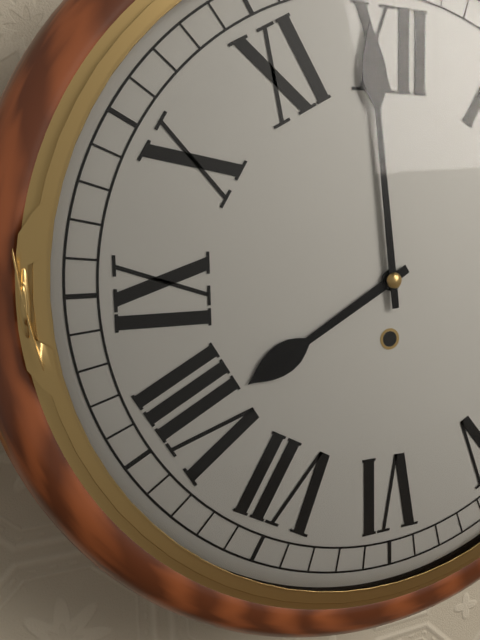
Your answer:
**7:59**
